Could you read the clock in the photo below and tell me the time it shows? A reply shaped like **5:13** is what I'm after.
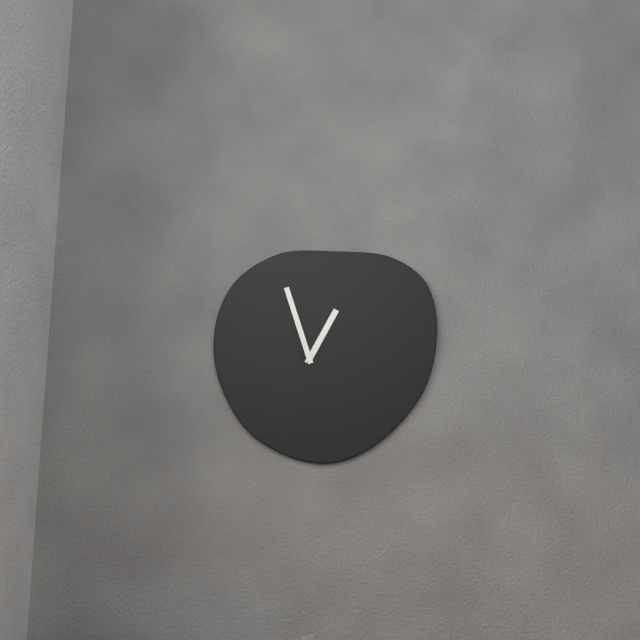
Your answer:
**12:57**
